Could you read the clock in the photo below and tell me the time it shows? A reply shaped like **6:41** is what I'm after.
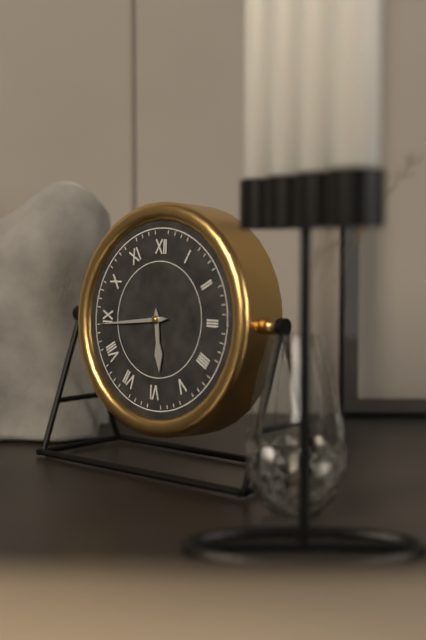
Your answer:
**5:44**
